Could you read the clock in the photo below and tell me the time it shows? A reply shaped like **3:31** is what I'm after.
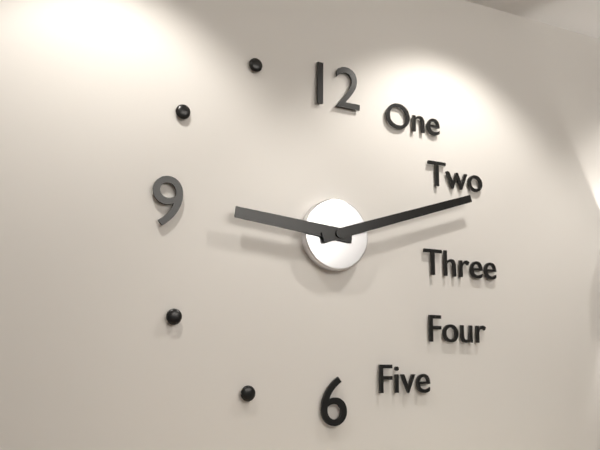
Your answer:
**9:12**
